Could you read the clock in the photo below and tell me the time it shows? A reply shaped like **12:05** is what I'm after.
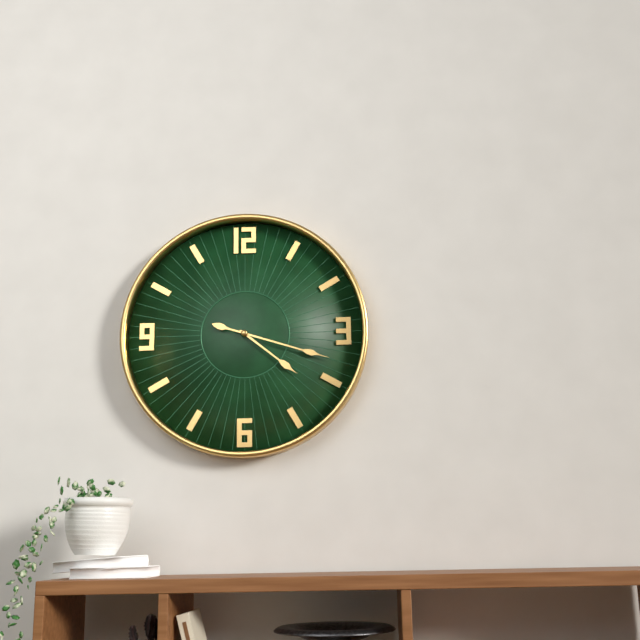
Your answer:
**4:18**
